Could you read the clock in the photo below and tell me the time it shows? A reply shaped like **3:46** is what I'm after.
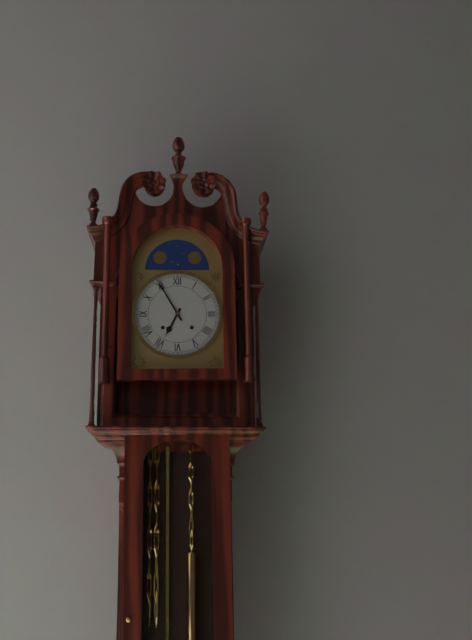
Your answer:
**6:55**
